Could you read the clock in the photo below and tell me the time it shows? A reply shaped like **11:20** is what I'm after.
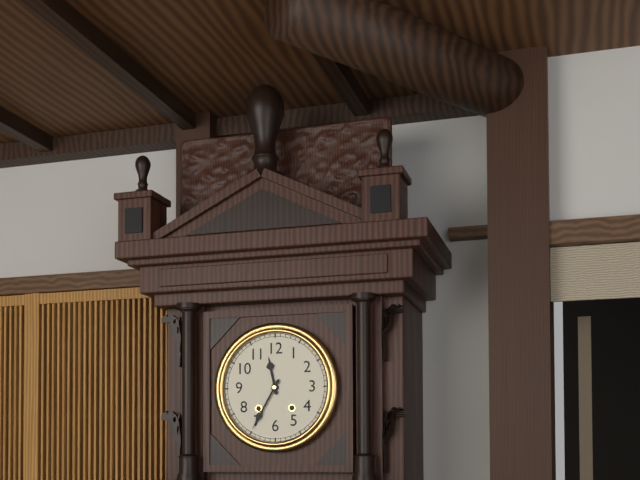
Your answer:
**11:35**
